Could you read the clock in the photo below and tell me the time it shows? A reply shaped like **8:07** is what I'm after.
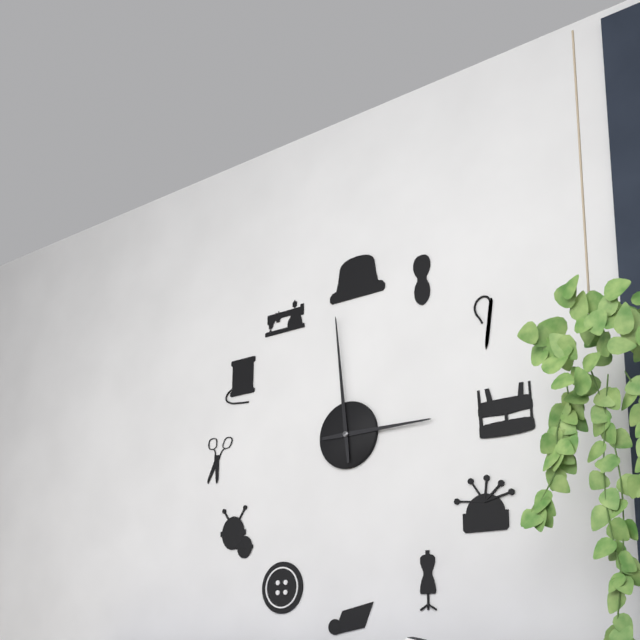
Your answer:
**2:59**
